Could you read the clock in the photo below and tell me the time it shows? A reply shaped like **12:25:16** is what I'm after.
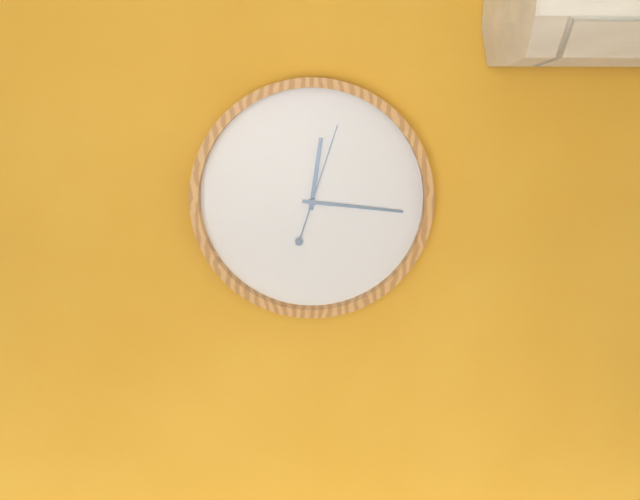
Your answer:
**12:16:03**
